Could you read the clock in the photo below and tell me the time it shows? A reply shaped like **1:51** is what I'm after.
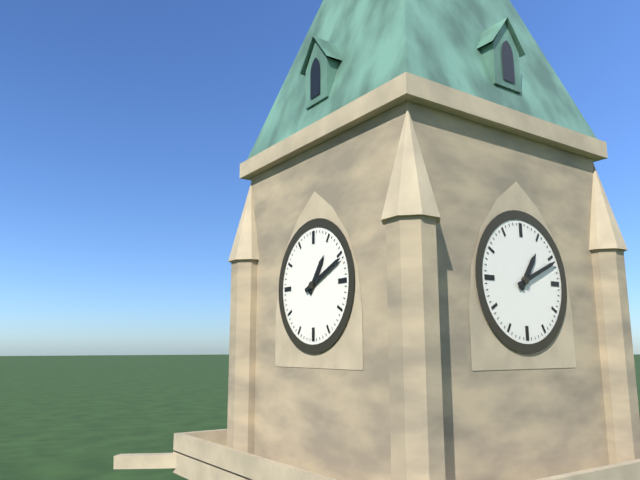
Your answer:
**1:11**
